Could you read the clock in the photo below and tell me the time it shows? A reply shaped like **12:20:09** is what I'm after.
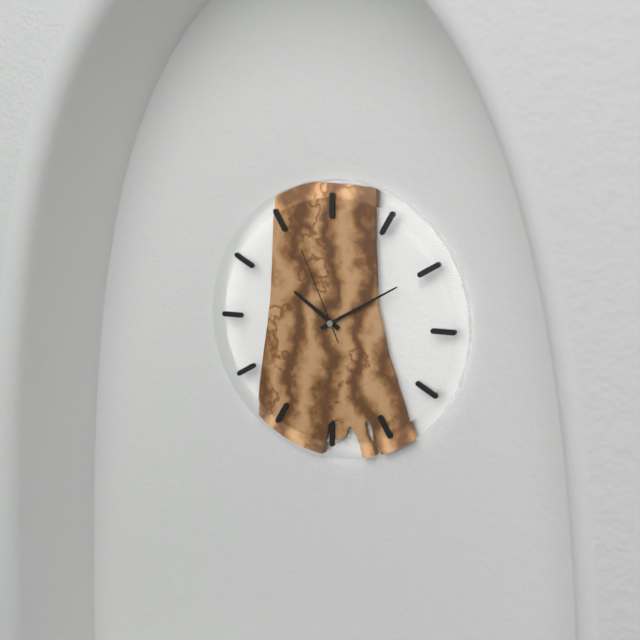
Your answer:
**10:10:56**
